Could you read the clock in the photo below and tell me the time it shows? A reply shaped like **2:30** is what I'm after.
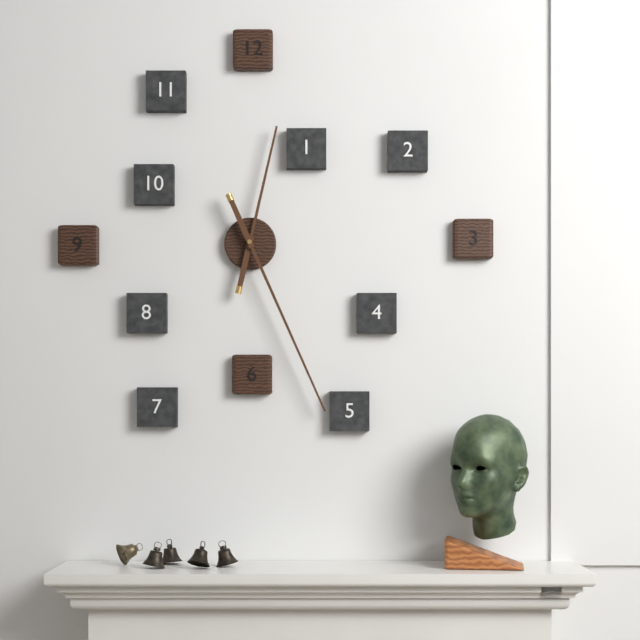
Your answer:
**12:26**
